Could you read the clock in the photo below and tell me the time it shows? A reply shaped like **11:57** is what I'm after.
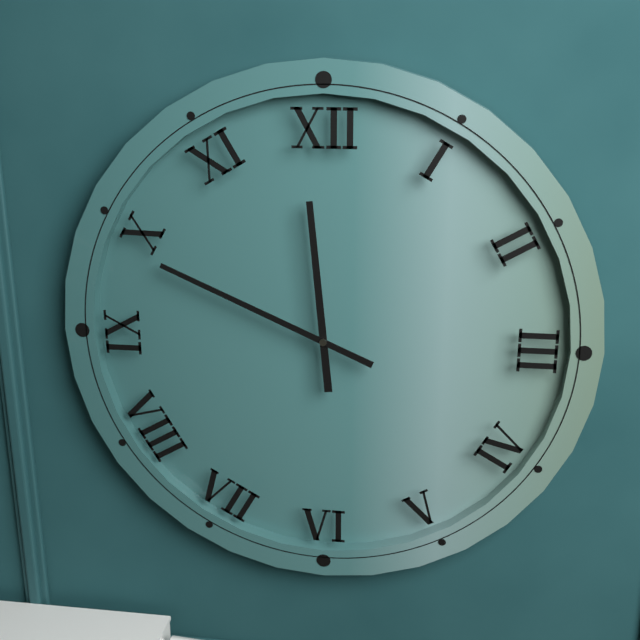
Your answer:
**11:49**
